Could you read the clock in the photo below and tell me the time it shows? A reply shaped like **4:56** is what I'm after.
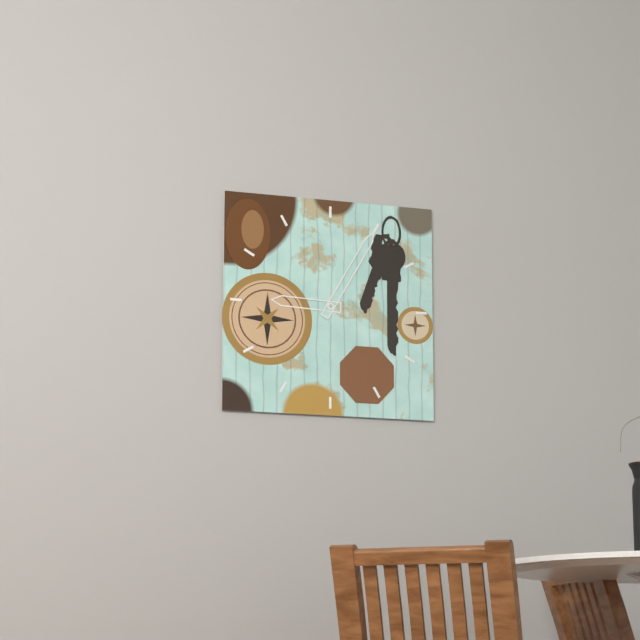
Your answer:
**9:05**
